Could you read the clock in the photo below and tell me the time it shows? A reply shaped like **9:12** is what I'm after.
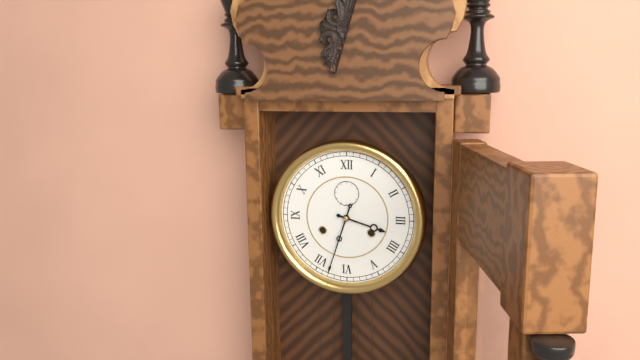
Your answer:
**3:33**
